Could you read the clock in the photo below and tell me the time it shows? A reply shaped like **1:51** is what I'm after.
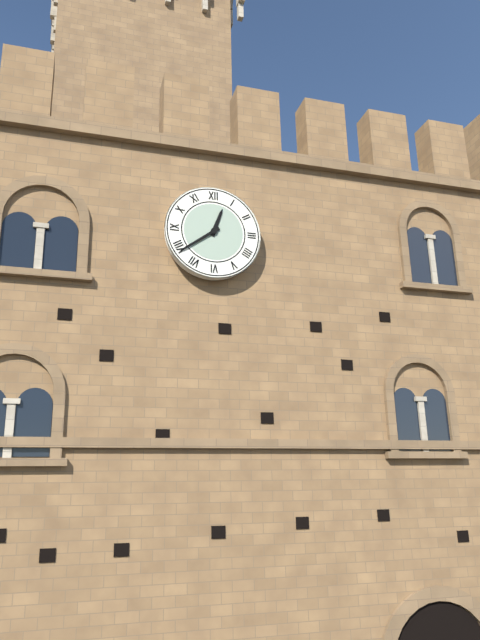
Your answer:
**12:39**
